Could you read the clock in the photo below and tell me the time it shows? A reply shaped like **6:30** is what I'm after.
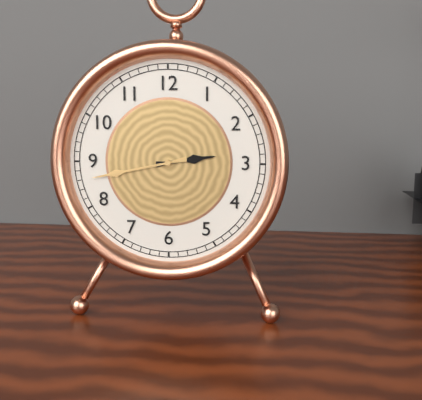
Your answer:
**2:43**
